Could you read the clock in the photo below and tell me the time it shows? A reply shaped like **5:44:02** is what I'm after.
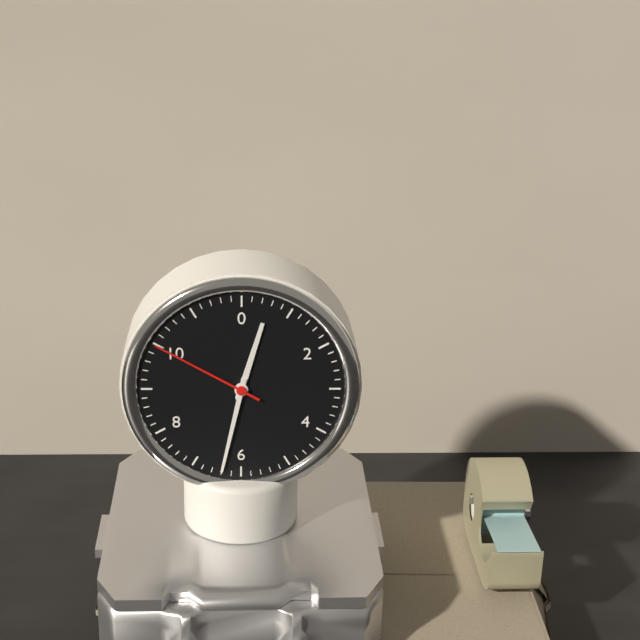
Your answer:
**12:32:50**
